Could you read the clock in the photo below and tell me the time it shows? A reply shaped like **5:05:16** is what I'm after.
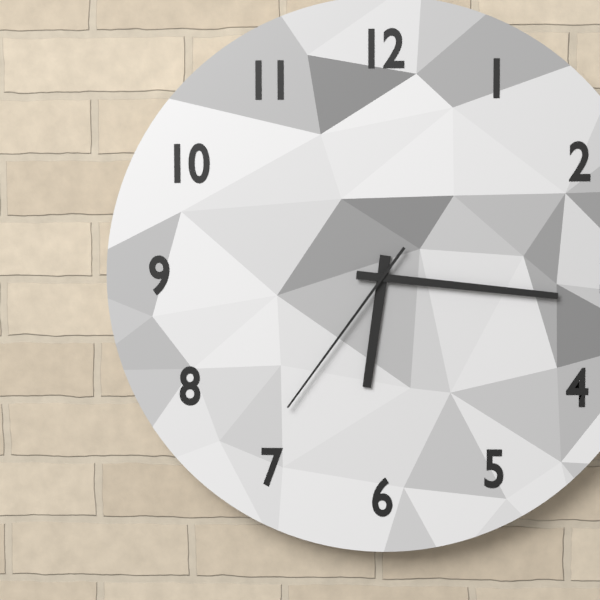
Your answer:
**6:16:36**
